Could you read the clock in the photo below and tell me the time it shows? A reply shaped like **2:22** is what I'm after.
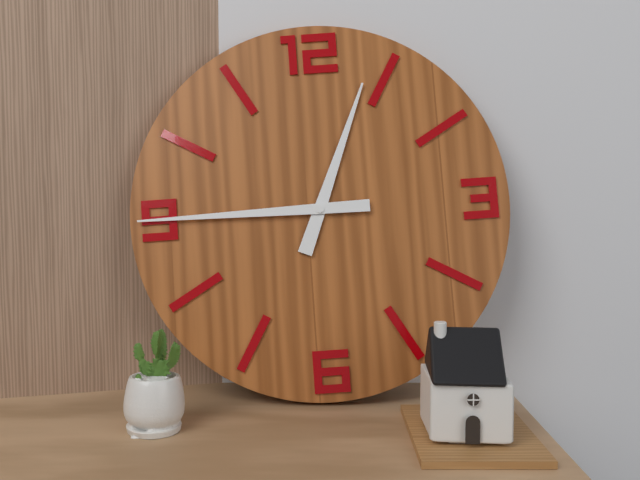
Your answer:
**12:45**
